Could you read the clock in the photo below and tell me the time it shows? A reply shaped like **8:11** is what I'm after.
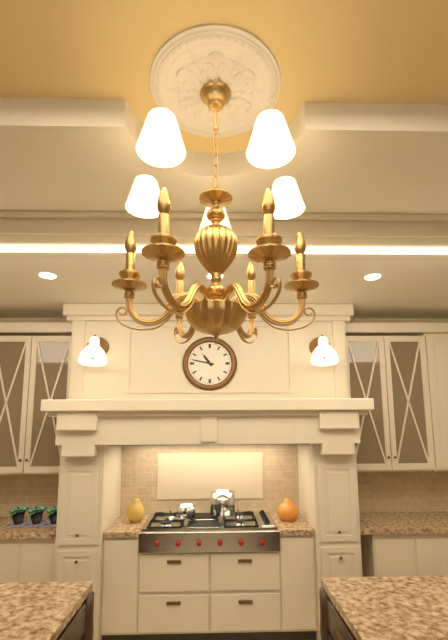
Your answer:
**10:47**
